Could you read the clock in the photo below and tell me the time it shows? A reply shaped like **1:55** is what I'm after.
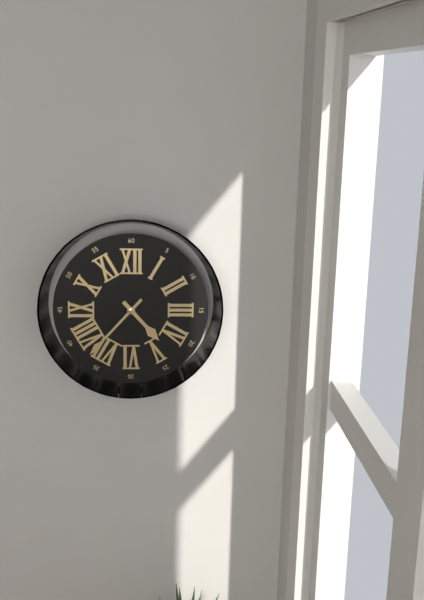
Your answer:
**4:37**
